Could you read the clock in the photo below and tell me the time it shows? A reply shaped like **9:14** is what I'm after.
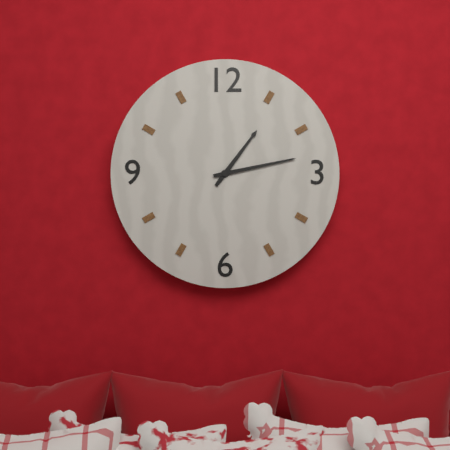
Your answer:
**1:13**
